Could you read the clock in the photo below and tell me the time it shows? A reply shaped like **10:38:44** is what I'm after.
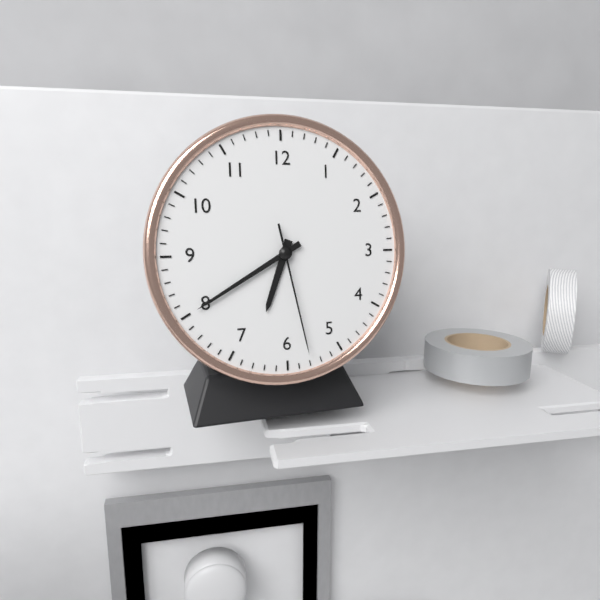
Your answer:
**6:40:28**
